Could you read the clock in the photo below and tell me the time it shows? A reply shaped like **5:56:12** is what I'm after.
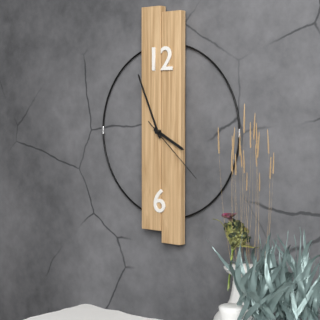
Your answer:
**3:56:22**
